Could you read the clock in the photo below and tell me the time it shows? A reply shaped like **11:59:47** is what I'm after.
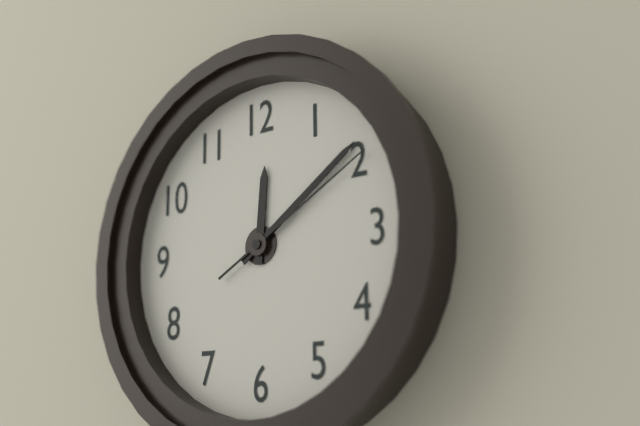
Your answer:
**12:09:10**
